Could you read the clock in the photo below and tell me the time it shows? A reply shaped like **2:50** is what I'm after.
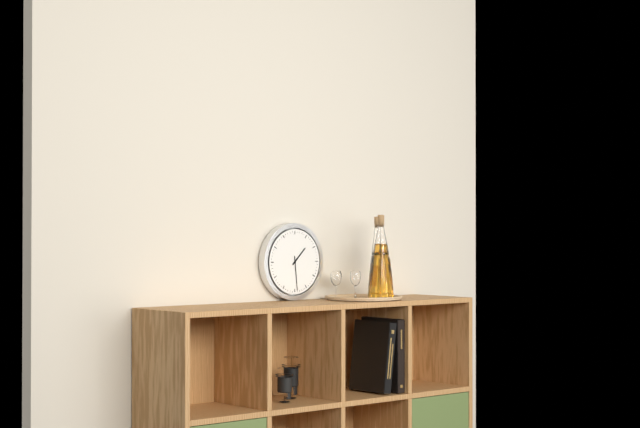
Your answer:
**1:29**
